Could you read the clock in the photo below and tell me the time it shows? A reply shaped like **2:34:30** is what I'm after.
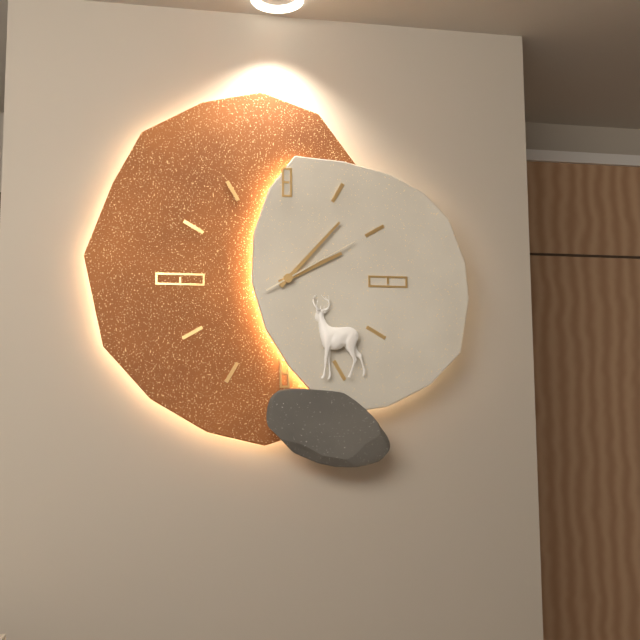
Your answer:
**2:07:10**
